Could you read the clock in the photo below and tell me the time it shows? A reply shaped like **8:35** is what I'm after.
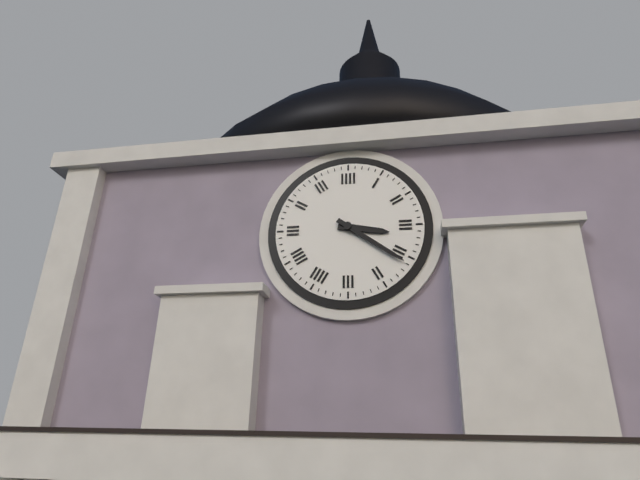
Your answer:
**3:21**
